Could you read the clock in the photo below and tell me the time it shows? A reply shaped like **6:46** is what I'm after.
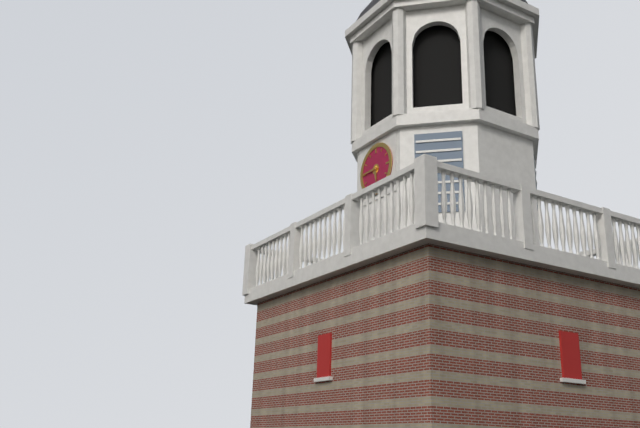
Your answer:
**5:45**
